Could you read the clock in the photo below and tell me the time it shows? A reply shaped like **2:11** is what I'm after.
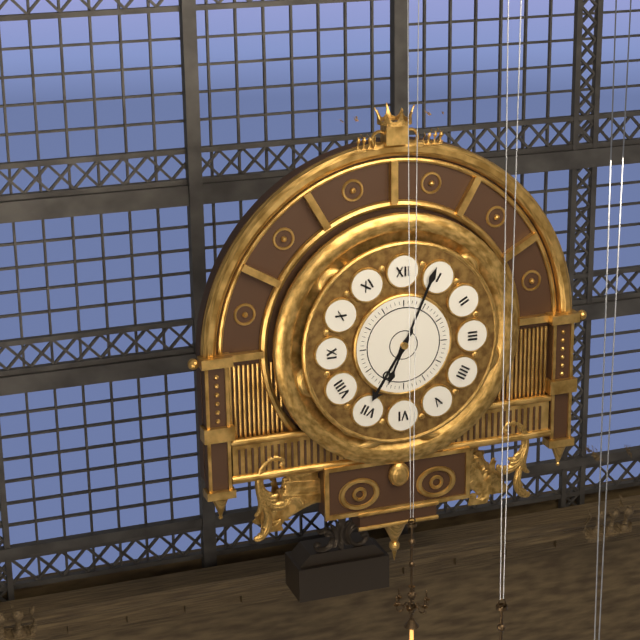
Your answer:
**7:04**
